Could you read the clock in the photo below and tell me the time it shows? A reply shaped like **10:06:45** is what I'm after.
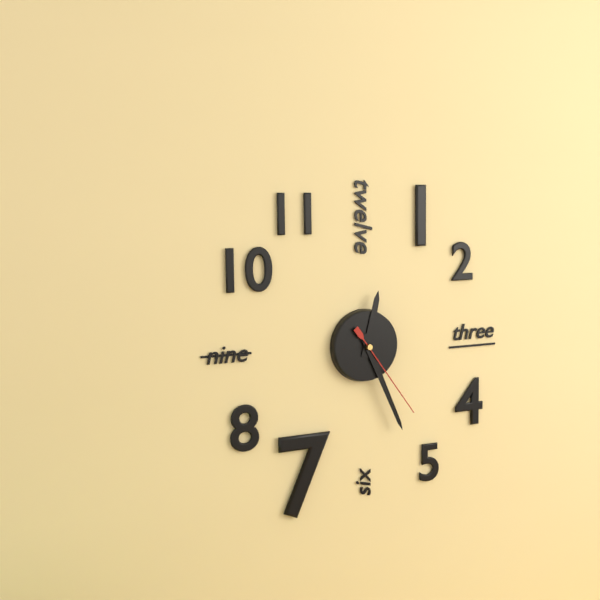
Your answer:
**12:26:24**
